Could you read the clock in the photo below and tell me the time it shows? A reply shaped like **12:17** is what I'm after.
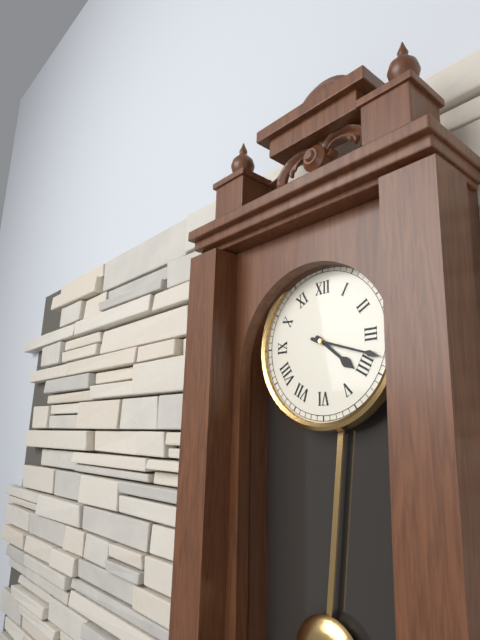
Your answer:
**4:18**
